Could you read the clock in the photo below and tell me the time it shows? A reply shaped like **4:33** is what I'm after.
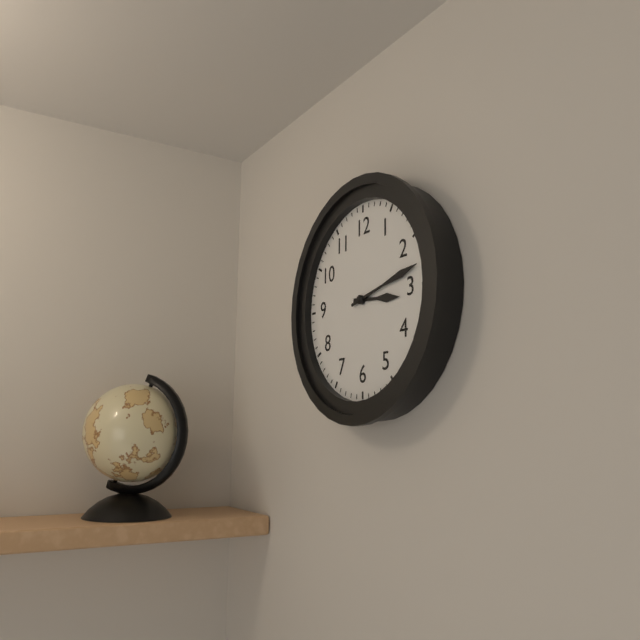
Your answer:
**3:13**
